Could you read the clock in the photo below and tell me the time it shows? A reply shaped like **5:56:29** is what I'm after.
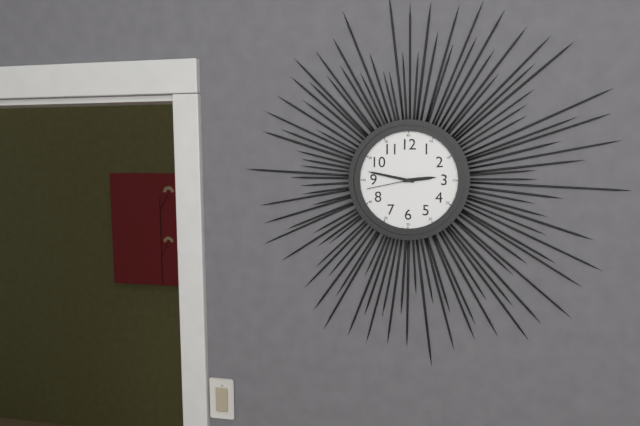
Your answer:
**2:47:43**
